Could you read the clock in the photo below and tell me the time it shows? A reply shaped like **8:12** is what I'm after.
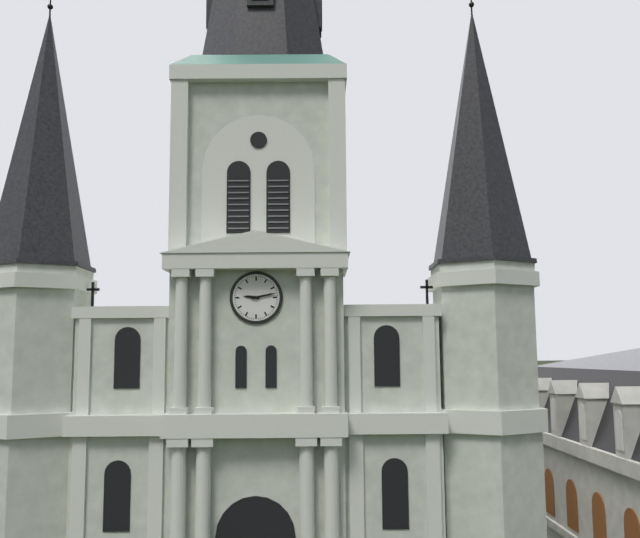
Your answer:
**9:13**
